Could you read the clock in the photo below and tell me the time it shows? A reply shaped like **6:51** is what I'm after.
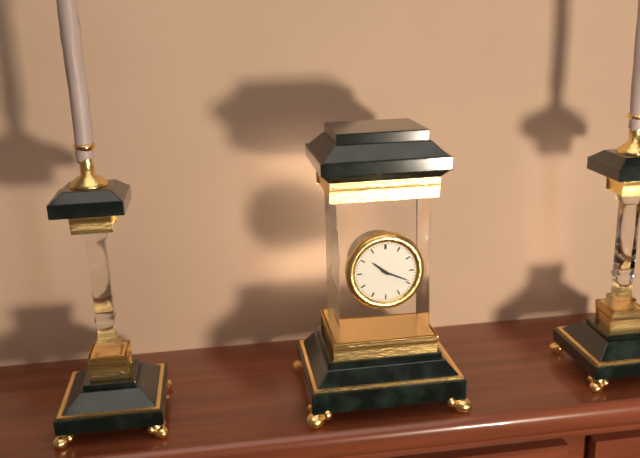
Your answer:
**10:19**
